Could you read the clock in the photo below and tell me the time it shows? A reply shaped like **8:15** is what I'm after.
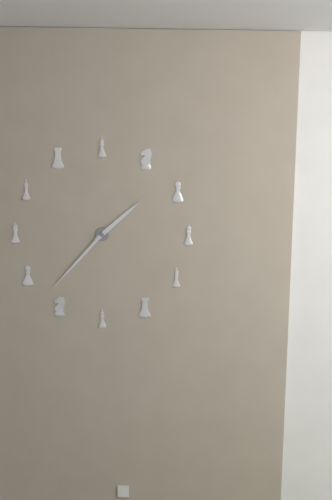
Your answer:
**1:37**
